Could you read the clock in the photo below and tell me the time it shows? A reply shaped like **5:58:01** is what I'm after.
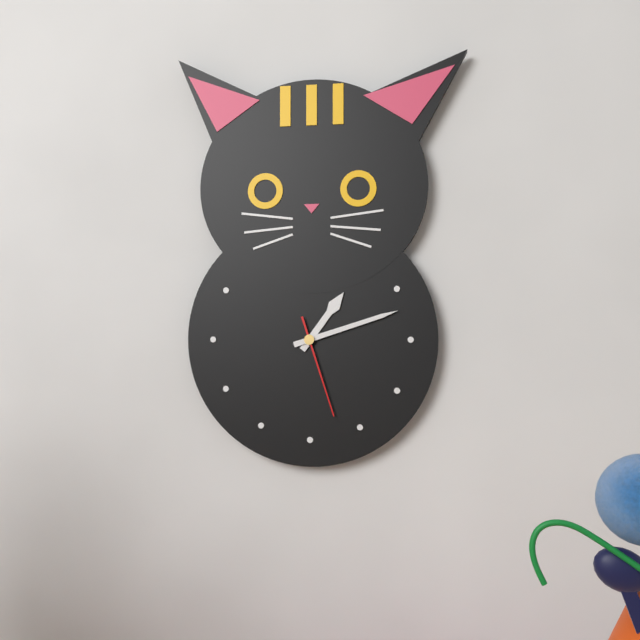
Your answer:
**1:12:27**
